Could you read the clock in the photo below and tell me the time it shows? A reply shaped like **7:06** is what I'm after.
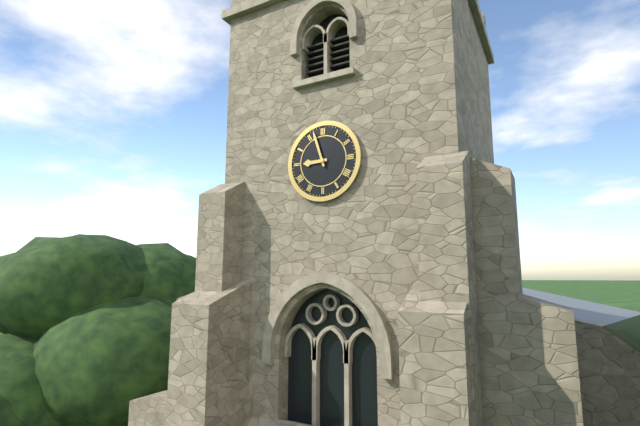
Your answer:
**8:57**
